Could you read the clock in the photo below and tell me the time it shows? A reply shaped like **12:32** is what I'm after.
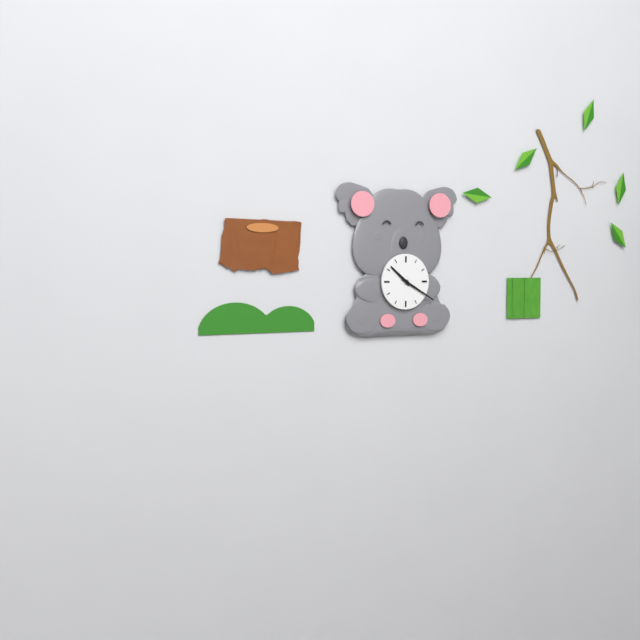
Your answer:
**10:20**
